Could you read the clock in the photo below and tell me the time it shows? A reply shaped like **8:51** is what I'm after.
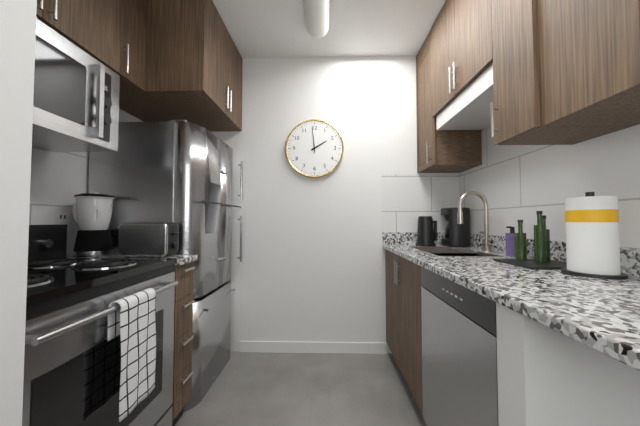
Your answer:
**1:59**
